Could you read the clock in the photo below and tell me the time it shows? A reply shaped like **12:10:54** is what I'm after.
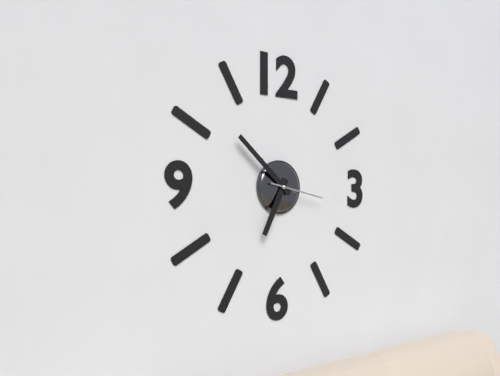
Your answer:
**6:52:17**
